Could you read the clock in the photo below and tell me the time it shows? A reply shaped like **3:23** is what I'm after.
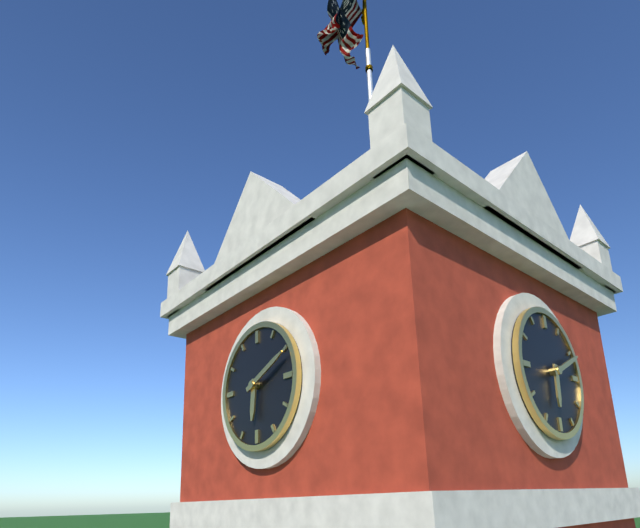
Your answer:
**6:11**
